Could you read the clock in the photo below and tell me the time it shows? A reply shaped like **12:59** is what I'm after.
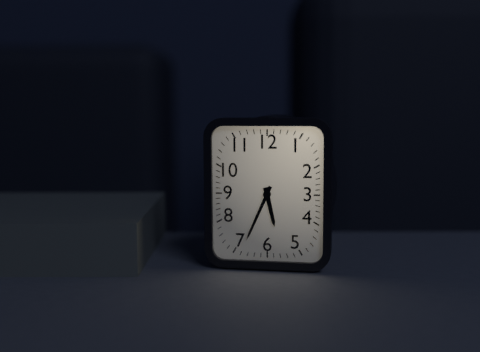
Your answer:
**5:34**
